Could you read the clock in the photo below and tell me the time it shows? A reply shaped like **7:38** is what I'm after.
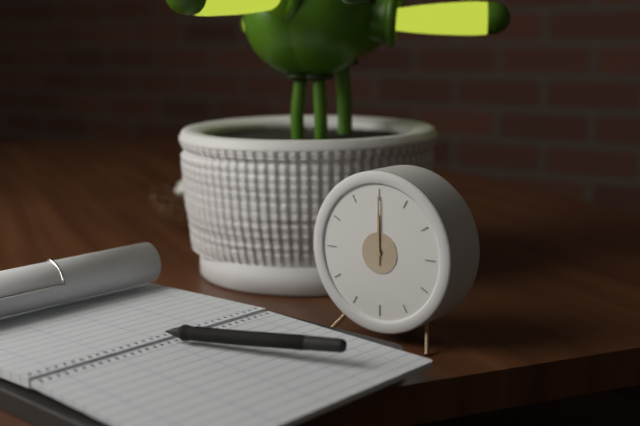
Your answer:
**12:00**
